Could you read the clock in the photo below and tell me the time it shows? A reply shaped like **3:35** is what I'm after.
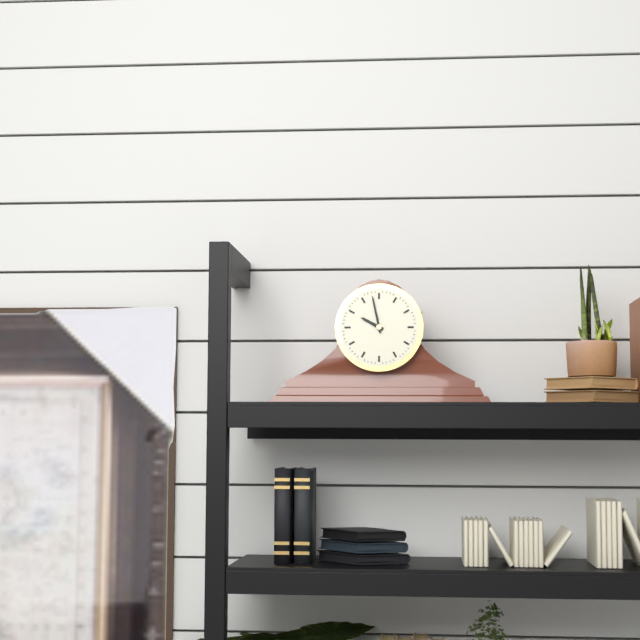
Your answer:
**9:58**
